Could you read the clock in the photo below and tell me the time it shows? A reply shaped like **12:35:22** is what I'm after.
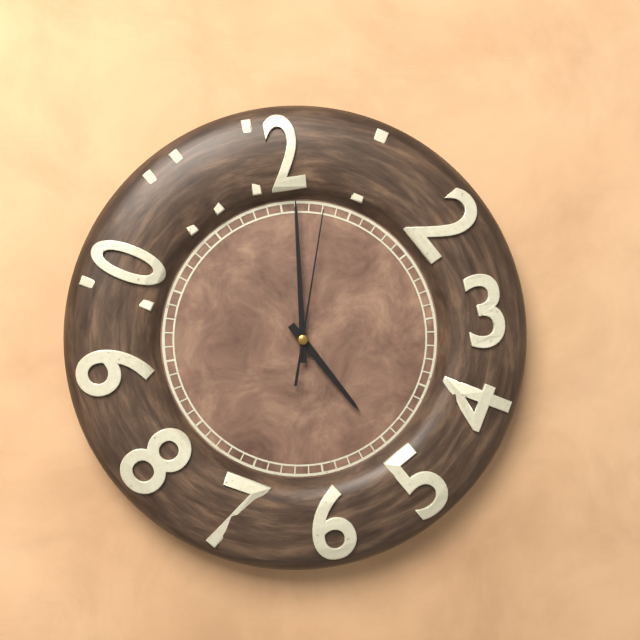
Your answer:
**5:01:03**
